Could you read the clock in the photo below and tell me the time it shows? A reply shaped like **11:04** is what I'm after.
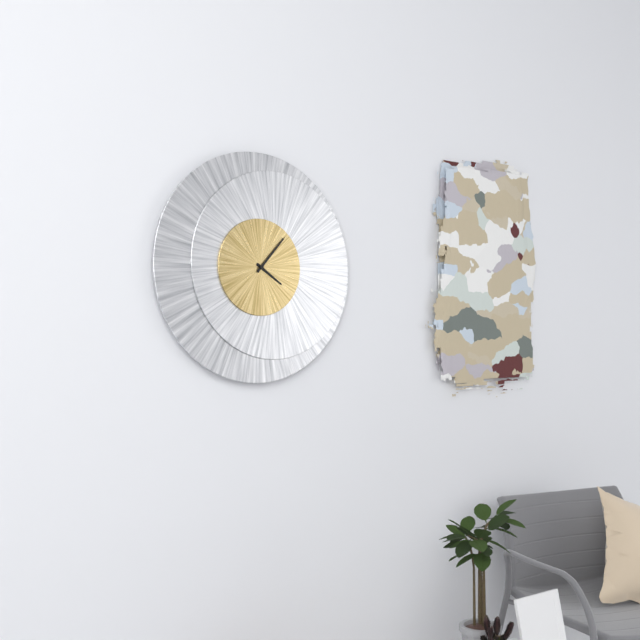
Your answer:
**4:07**
